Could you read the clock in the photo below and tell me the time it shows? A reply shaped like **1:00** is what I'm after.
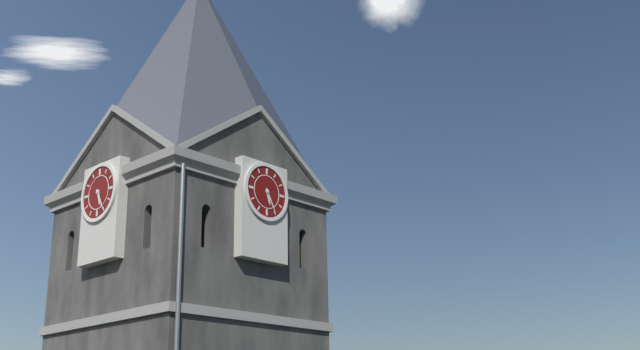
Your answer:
**5:25**
